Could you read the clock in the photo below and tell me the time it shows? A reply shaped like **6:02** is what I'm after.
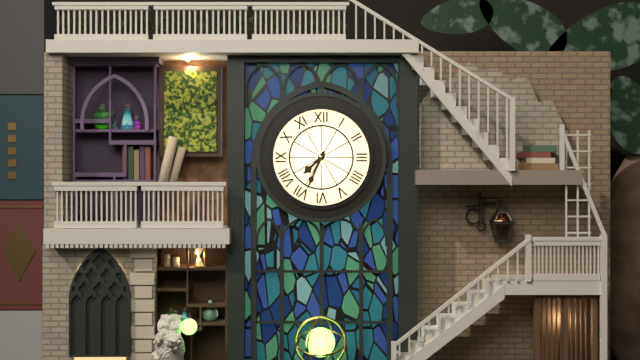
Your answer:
**7:34**
